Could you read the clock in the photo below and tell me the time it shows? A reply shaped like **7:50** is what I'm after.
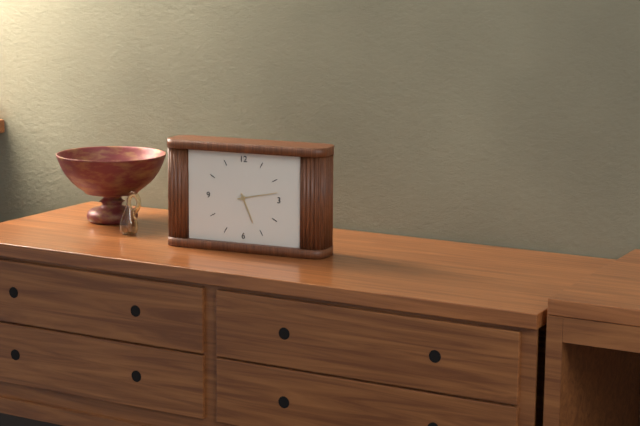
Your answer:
**5:13**
